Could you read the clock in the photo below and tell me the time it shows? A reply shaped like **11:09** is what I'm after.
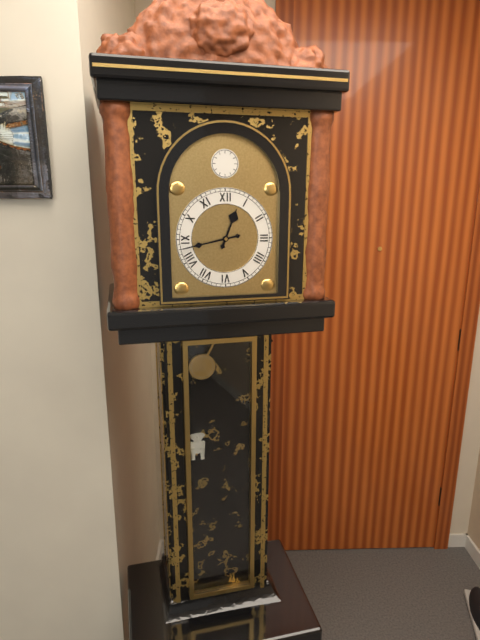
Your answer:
**12:43**
